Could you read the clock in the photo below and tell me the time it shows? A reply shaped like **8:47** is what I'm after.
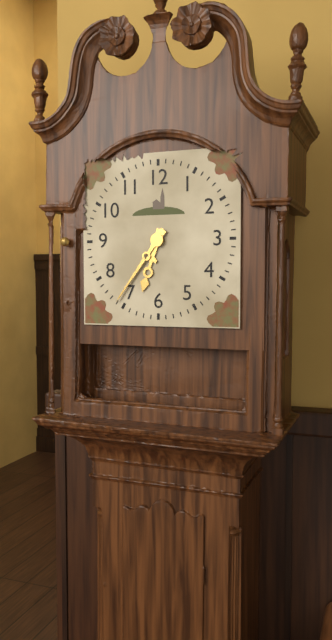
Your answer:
**6:36**
